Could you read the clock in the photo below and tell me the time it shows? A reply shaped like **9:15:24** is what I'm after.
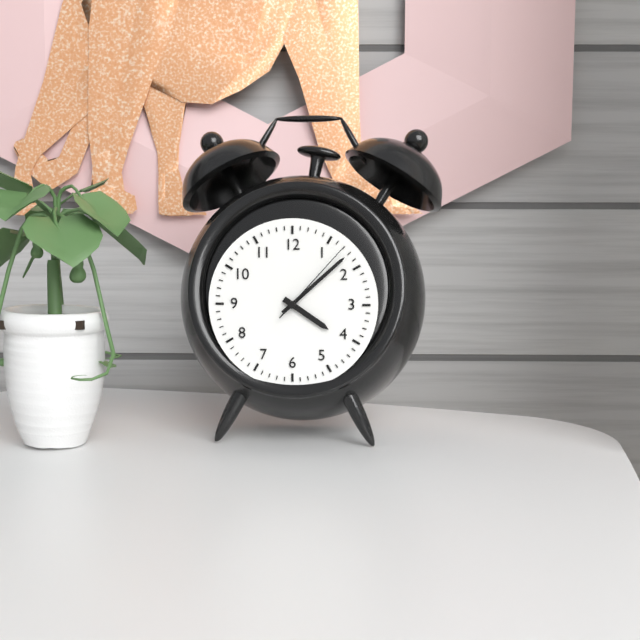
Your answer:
**4:08:07**
